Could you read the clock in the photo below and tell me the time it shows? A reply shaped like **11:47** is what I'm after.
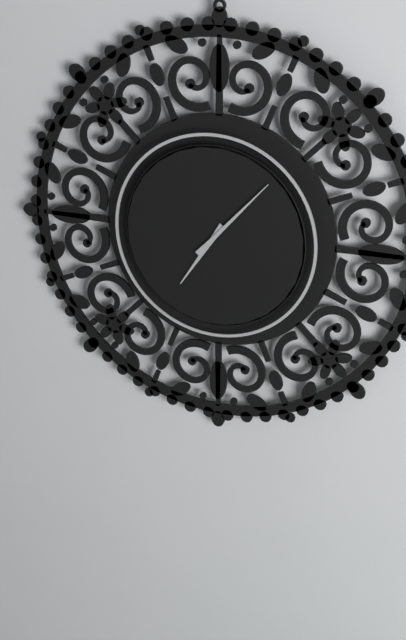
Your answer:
**7:07**
